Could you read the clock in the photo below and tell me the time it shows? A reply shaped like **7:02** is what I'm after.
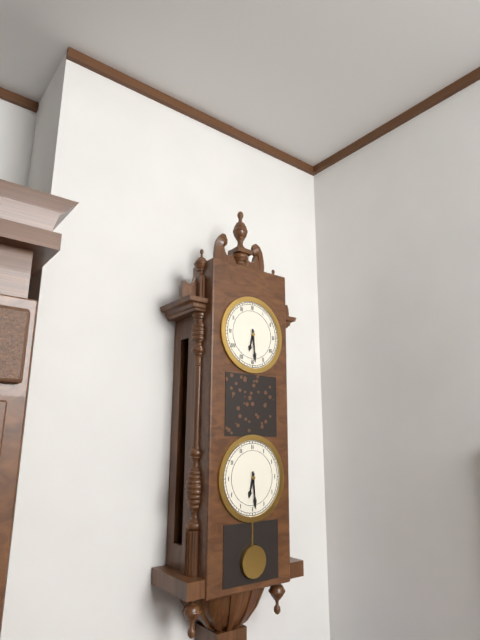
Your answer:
**6:29**
